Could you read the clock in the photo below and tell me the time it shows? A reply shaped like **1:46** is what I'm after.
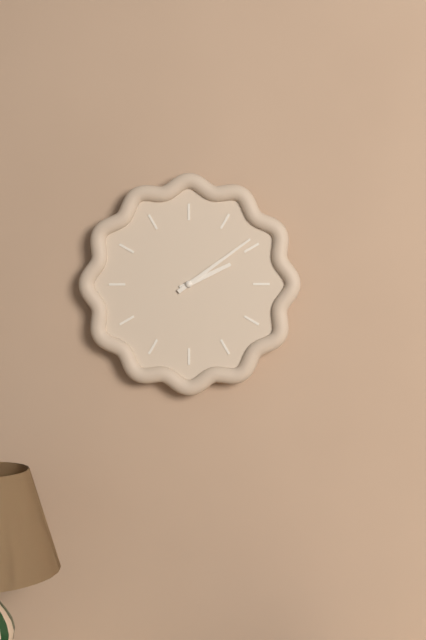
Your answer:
**2:09**
